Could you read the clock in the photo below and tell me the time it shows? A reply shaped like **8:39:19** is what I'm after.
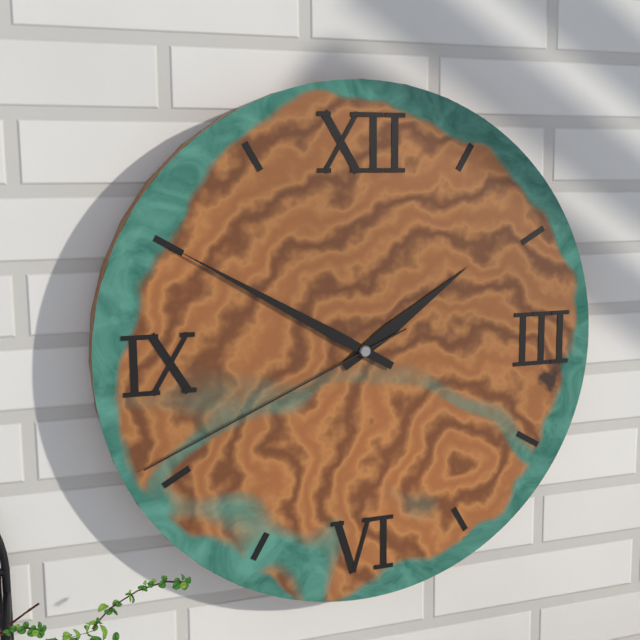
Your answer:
**1:50:41**
